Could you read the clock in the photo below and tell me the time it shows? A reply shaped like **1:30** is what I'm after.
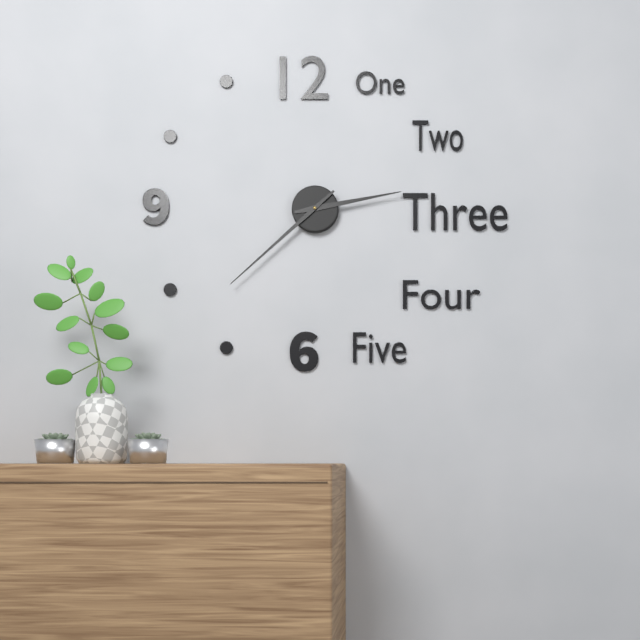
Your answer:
**2:38**
